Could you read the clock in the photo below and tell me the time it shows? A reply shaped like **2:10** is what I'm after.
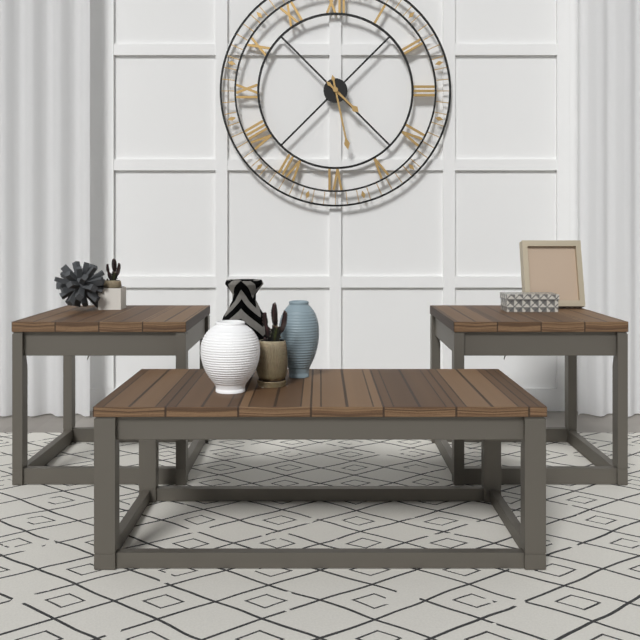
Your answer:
**4:28**
